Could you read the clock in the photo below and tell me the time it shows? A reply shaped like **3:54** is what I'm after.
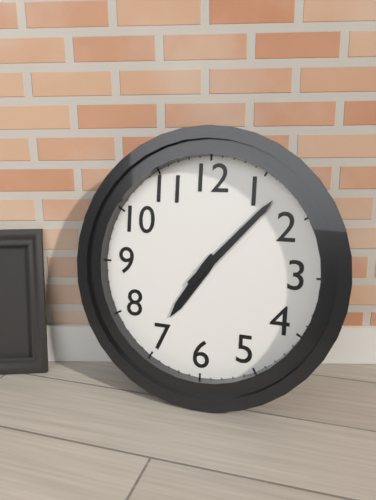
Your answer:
**7:07**
